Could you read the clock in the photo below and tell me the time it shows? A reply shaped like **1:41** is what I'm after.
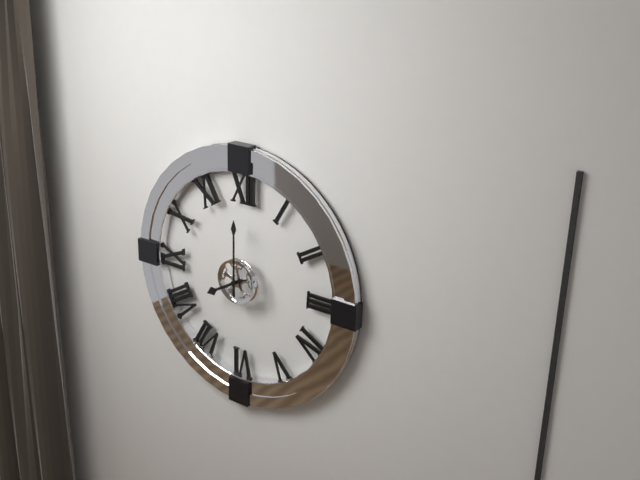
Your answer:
**8:00**
